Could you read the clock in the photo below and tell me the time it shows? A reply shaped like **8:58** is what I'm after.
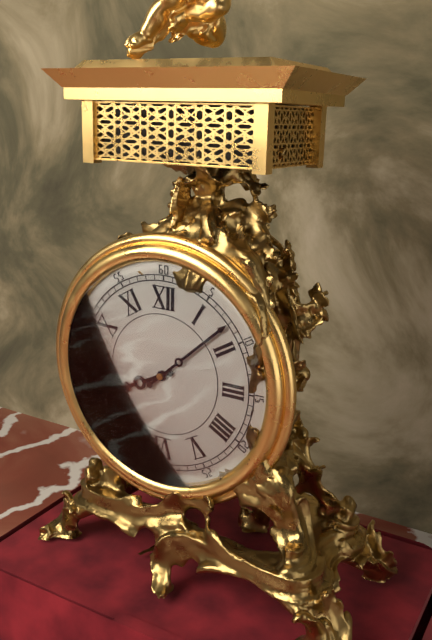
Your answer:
**8:08**
